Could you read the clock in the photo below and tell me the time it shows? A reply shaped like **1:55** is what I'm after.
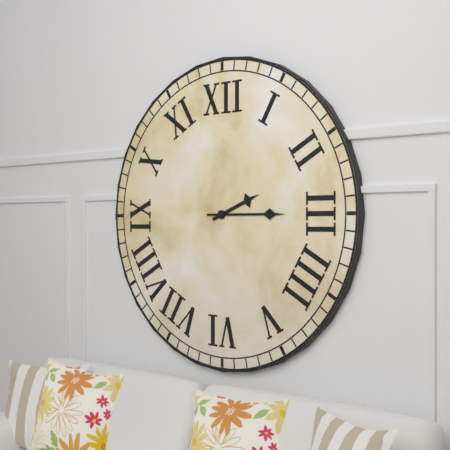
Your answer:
**2:15**
